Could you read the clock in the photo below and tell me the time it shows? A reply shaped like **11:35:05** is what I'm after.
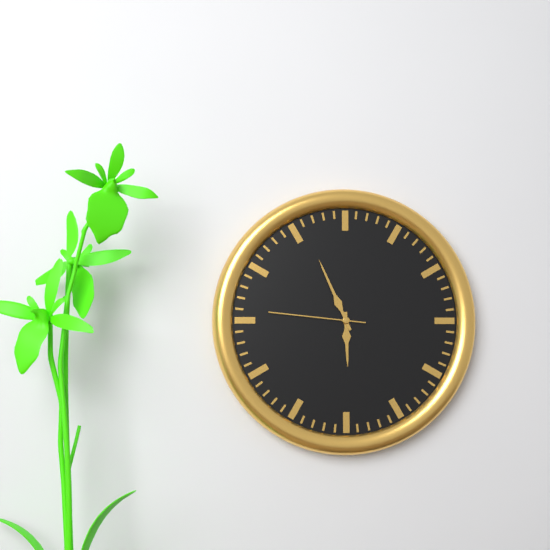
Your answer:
**5:56:46**
